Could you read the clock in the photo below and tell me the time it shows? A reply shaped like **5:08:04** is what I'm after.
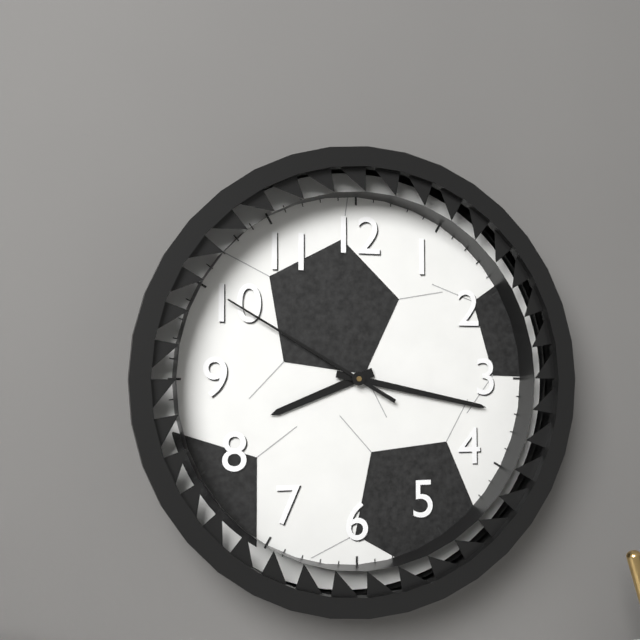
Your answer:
**8:17:50**
